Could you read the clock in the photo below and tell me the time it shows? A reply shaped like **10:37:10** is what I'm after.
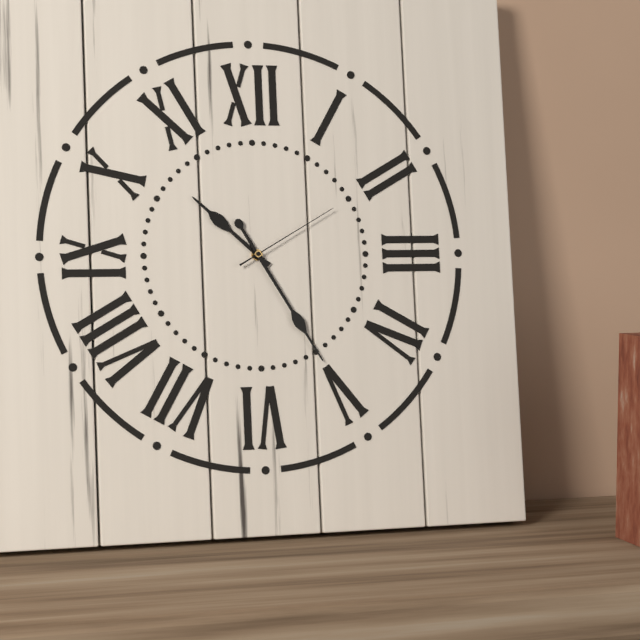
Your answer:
**10:25:10**
